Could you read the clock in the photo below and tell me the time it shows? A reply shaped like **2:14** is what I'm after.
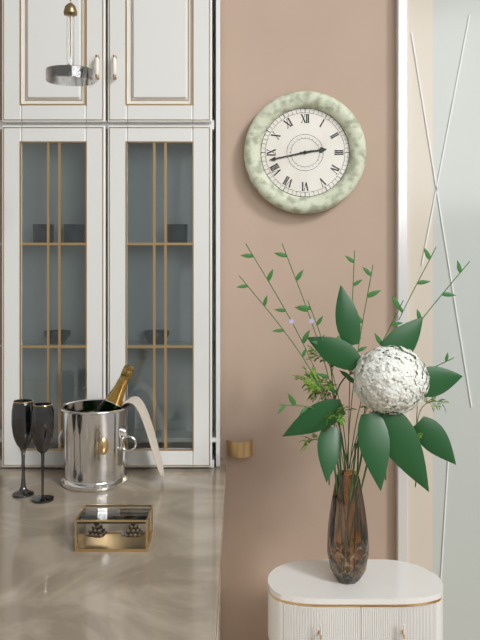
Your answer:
**2:43**
